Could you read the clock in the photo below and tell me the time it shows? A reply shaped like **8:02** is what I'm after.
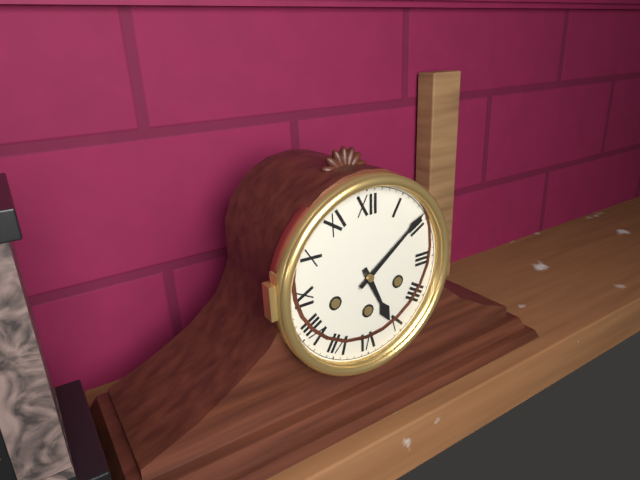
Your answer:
**5:09**
